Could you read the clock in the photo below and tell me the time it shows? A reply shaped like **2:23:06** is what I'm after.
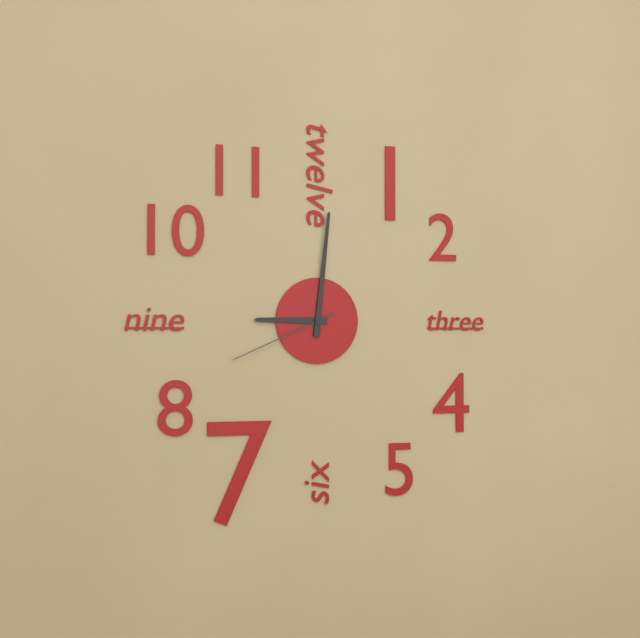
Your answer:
**9:01:41**
